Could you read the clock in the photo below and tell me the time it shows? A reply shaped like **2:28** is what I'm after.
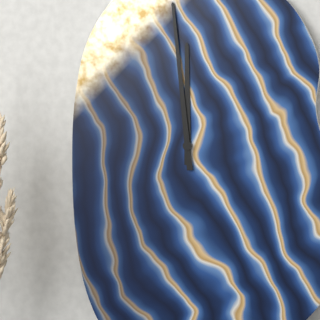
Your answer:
**11:59**
